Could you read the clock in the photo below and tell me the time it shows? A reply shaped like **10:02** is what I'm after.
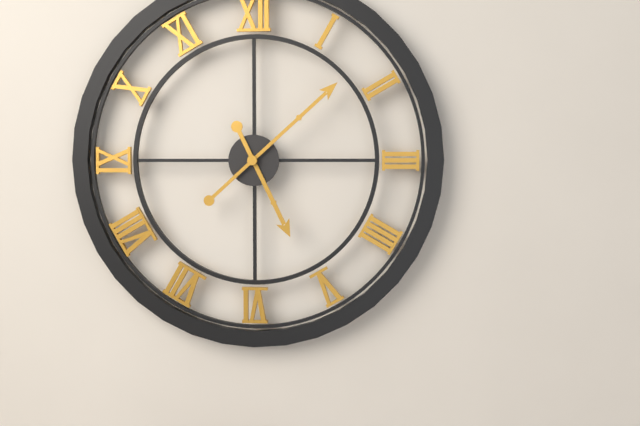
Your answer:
**5:08**
